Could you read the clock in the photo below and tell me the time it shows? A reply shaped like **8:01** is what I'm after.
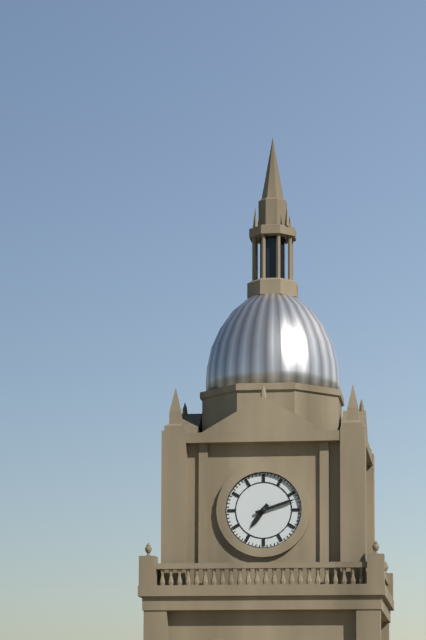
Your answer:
**7:12**
